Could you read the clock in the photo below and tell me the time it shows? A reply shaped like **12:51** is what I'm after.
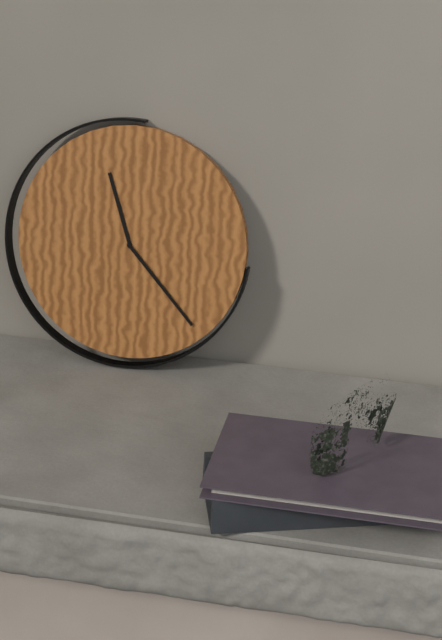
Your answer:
**11:23**
